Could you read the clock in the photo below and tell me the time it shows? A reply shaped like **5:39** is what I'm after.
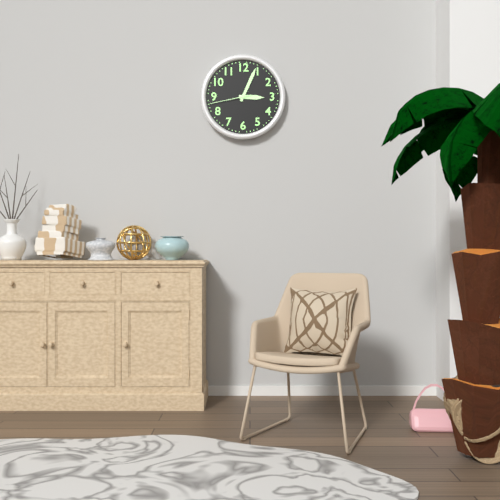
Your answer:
**3:04**
